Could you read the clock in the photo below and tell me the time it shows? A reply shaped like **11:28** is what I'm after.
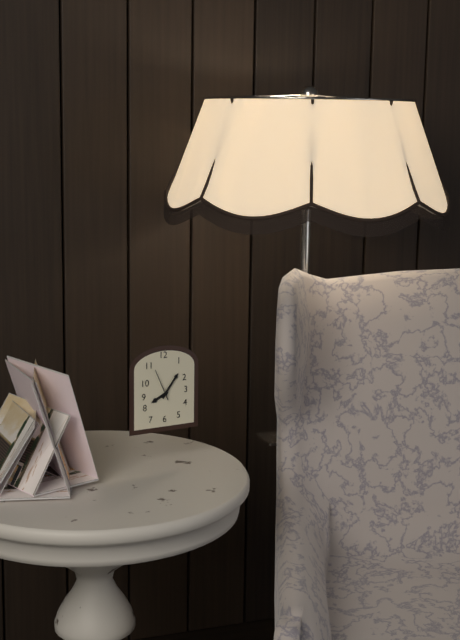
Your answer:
**8:06**
